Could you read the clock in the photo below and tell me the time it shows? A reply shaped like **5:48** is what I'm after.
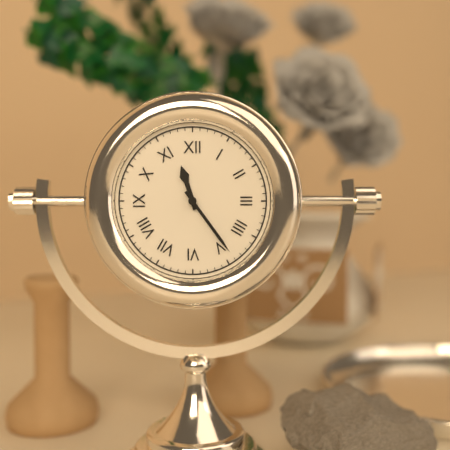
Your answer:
**11:24**
